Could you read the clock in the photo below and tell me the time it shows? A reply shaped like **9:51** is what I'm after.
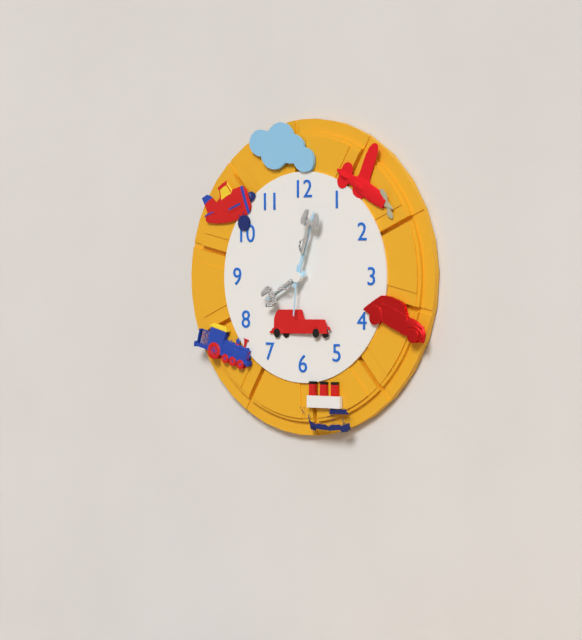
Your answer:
**8:03**
